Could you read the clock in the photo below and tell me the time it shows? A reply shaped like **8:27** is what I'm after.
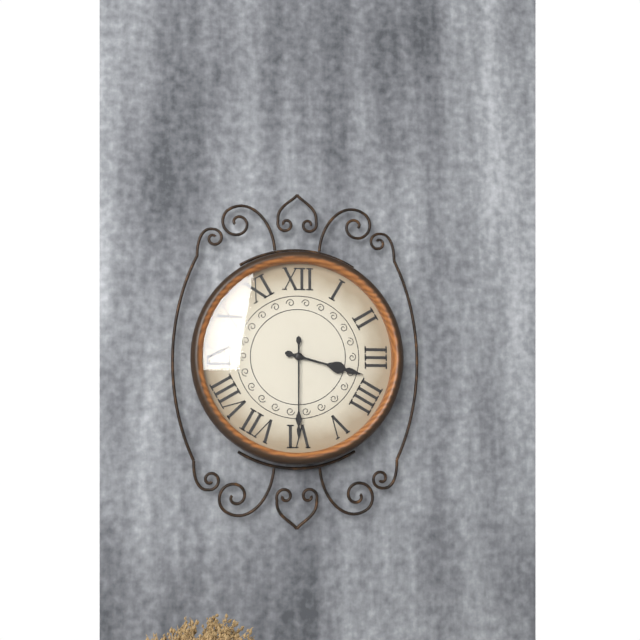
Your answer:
**3:30**
